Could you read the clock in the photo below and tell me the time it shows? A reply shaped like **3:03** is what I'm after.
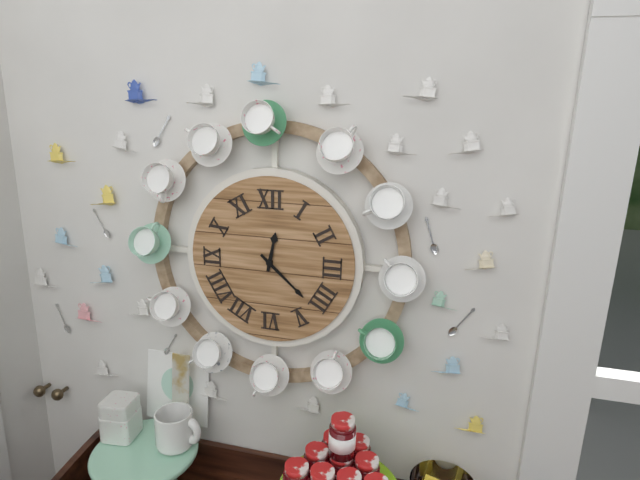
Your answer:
**12:22**
